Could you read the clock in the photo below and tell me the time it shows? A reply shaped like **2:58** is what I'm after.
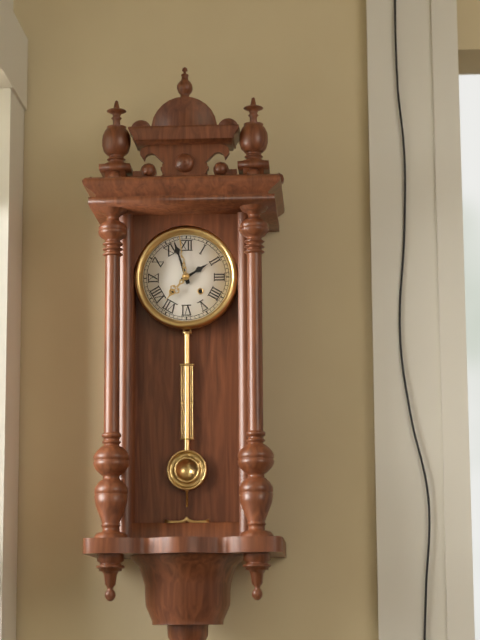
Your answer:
**1:57**
